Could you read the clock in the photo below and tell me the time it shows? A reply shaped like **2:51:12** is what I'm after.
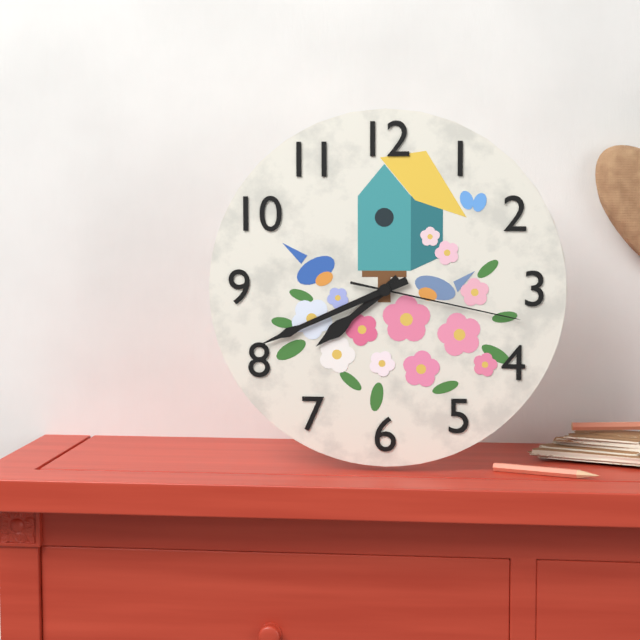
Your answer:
**7:41:17**
